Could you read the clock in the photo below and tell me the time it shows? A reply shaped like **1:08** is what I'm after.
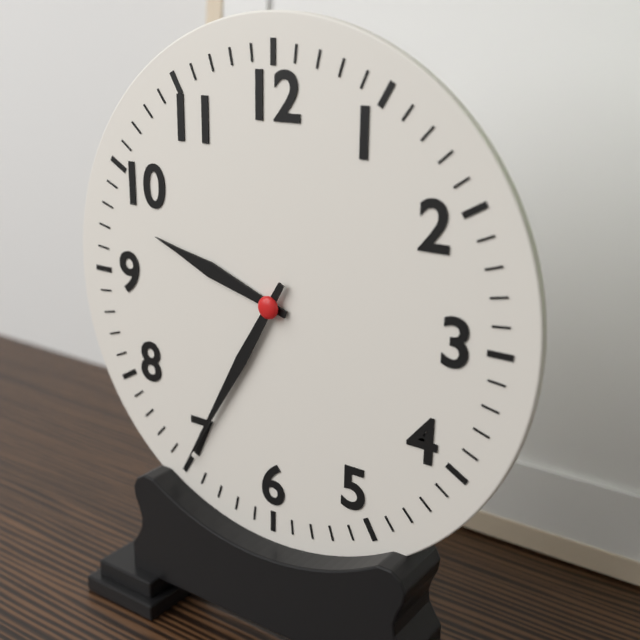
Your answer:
**9:35**
